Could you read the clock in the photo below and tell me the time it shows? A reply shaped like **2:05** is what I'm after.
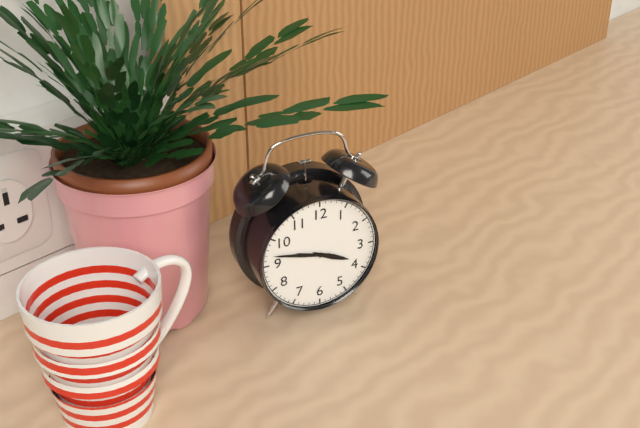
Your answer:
**3:47**
